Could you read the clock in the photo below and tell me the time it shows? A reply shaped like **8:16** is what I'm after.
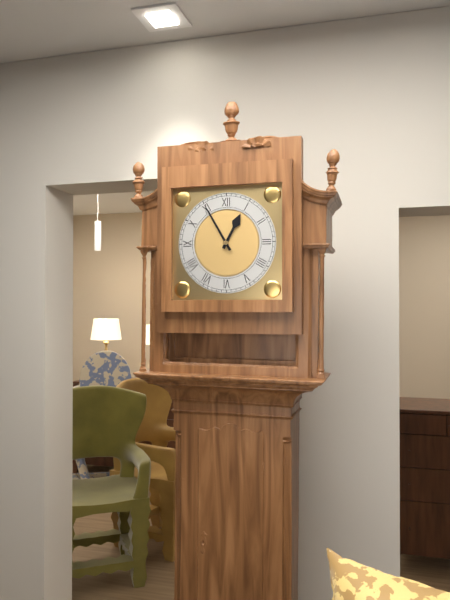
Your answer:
**12:55**
